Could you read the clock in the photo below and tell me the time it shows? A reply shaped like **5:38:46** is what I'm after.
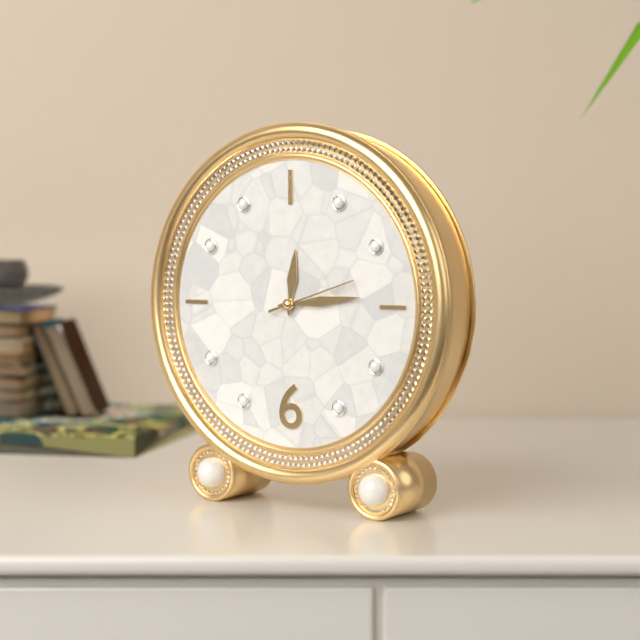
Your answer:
**12:14:12**
